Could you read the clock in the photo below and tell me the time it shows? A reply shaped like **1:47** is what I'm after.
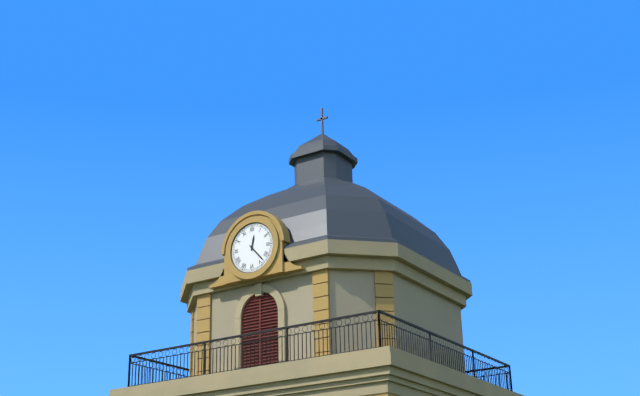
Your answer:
**12:23**
